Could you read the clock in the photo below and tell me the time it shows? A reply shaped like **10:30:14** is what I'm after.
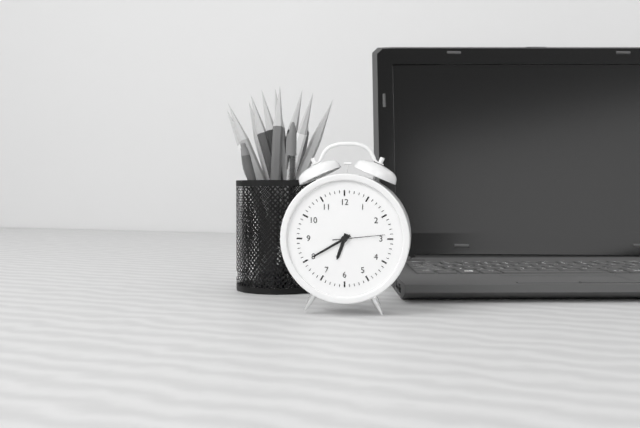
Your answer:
**6:40:14**
